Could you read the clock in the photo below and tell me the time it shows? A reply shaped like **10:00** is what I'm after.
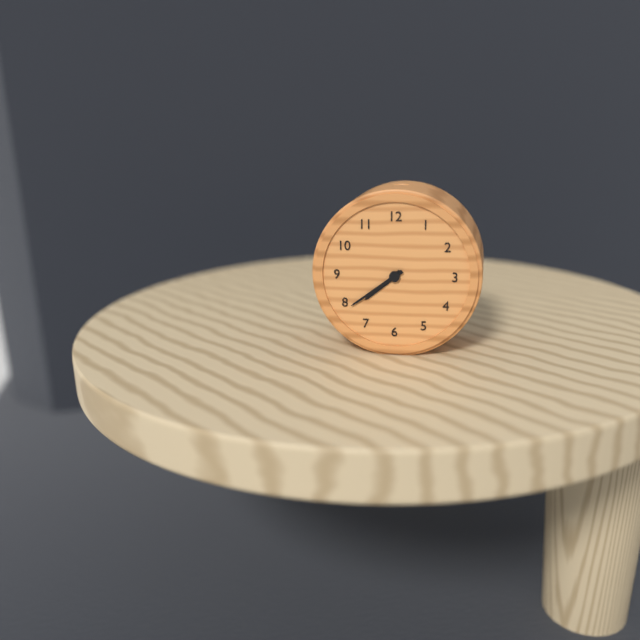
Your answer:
**7:39**
